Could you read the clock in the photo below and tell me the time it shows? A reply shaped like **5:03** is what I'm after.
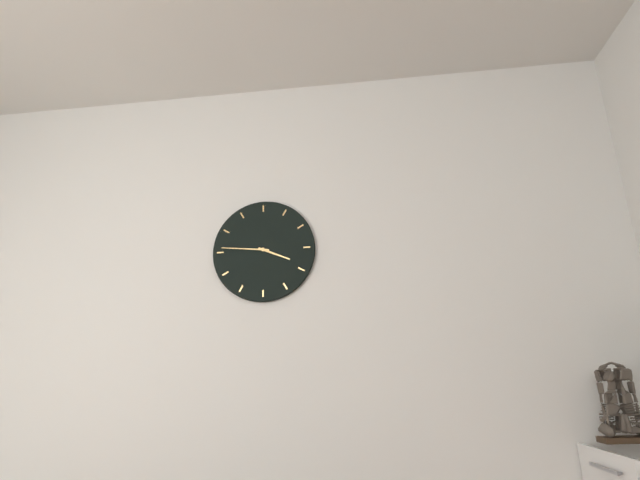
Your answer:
**3:46**
